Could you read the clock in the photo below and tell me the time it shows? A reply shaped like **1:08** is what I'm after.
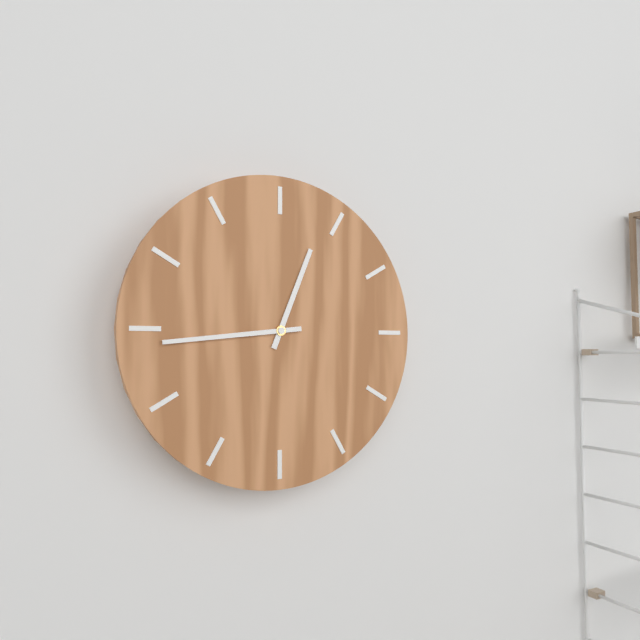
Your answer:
**12:44**
